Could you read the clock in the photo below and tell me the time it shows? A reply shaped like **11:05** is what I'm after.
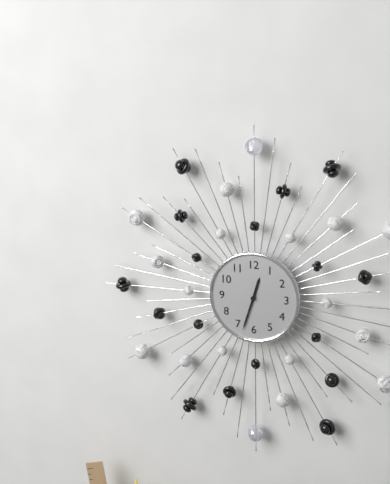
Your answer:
**12:33**
